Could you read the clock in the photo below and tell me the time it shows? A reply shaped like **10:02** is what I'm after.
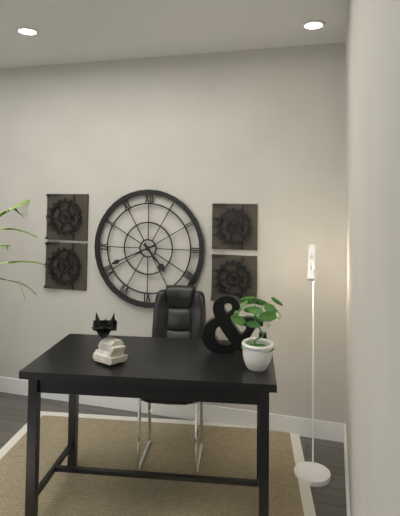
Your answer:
**4:41**
